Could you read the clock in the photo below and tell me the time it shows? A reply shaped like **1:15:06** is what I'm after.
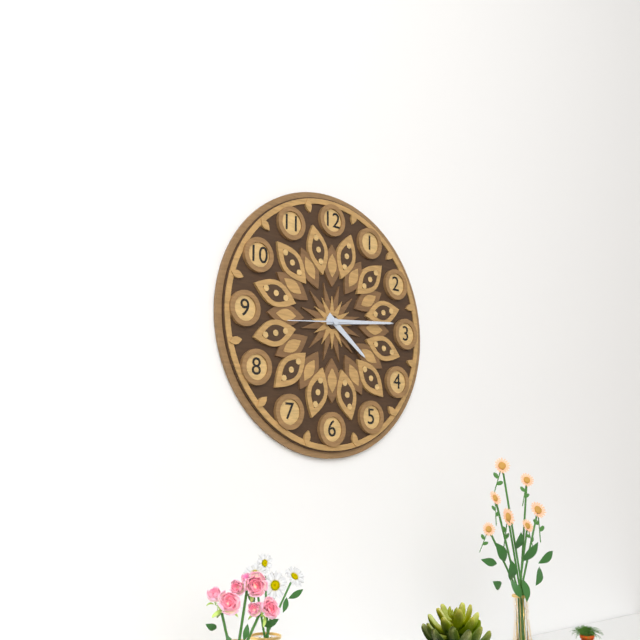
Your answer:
**4:14:44**
